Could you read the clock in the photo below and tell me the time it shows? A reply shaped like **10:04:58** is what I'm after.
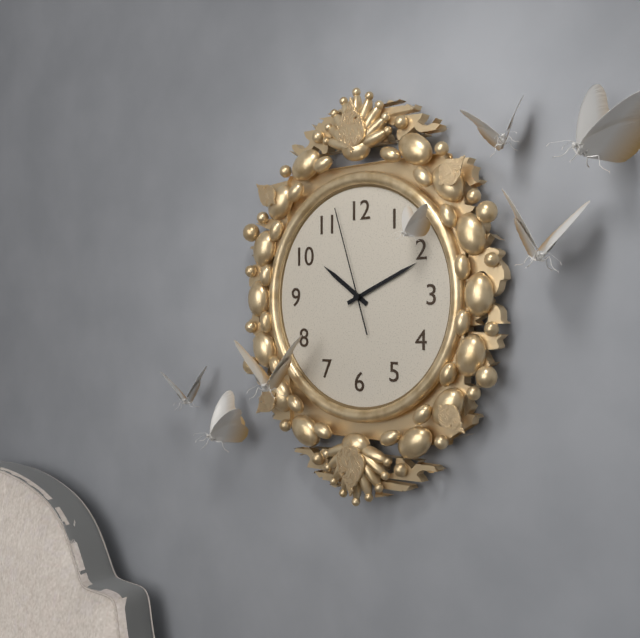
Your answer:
**10:11:57**
